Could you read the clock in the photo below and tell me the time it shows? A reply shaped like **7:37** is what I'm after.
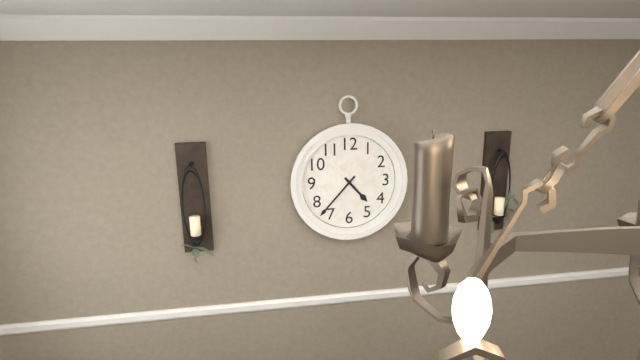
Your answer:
**4:37**
